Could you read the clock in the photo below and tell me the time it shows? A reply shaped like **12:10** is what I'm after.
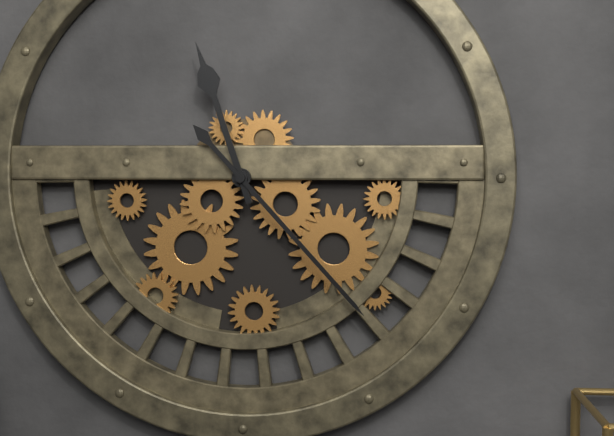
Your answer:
**11:23**
